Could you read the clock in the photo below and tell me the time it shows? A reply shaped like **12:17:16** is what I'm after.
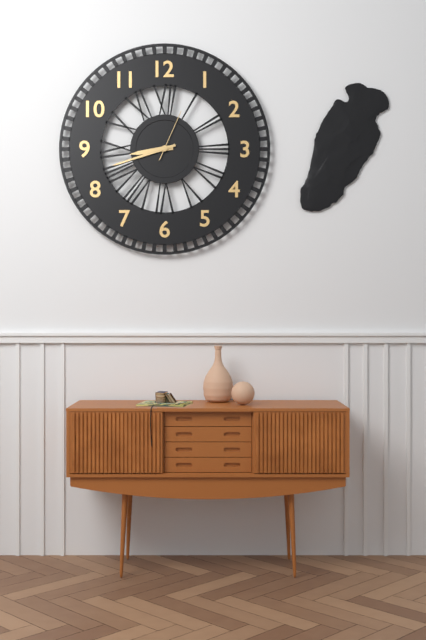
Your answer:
**8:42:04**
